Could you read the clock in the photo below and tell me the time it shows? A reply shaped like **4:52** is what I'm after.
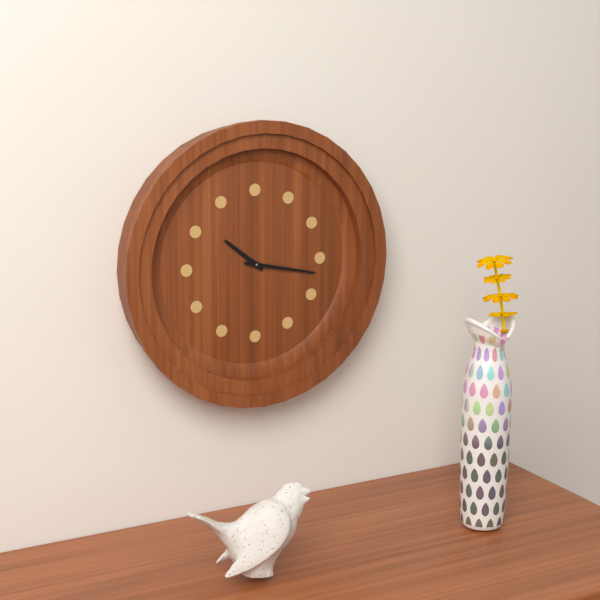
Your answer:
**10:17**
